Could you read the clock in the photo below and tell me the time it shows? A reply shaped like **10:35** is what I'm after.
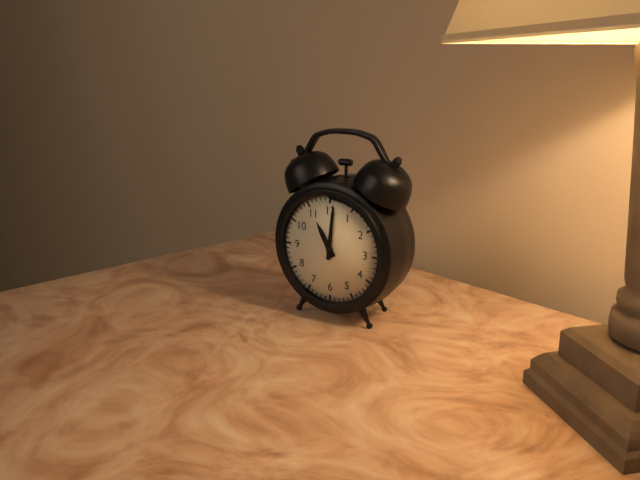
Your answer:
**11:01**
